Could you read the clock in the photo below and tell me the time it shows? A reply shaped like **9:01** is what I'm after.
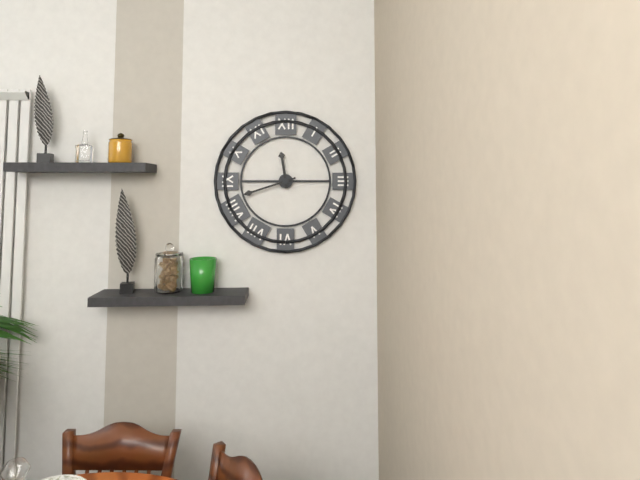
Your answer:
**11:42**
